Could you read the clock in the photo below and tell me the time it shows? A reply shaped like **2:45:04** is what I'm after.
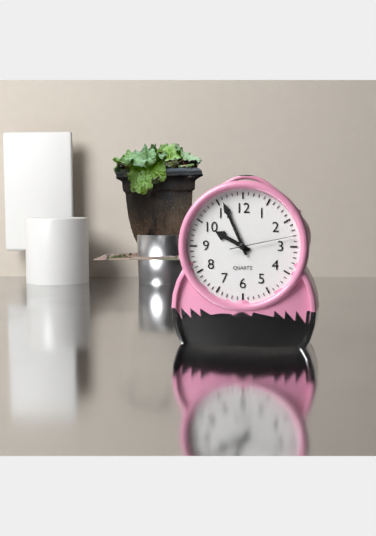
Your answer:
**9:56:13**
